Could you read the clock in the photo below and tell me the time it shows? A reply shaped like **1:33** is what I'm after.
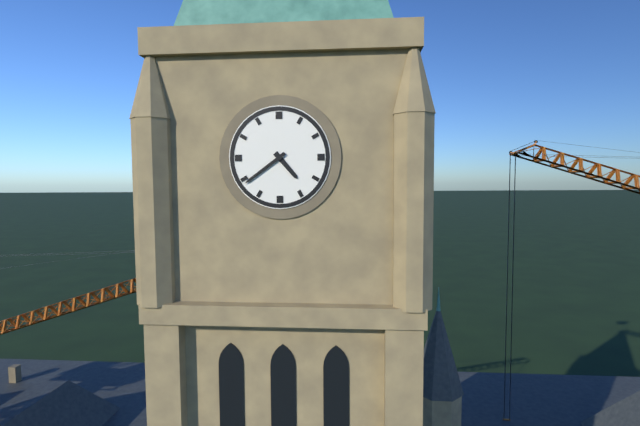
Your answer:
**4:39**
